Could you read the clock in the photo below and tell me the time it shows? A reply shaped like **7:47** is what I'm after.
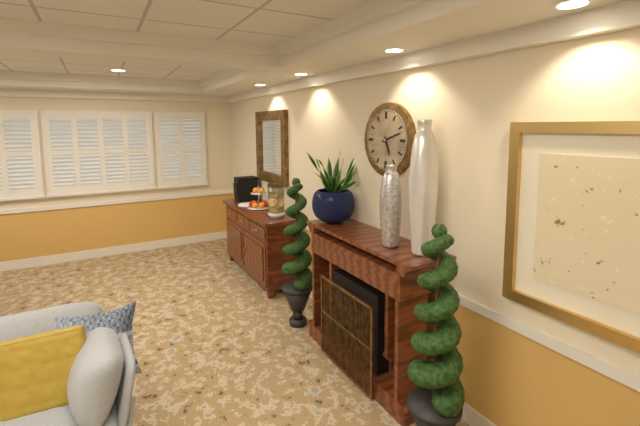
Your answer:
**5:12**
